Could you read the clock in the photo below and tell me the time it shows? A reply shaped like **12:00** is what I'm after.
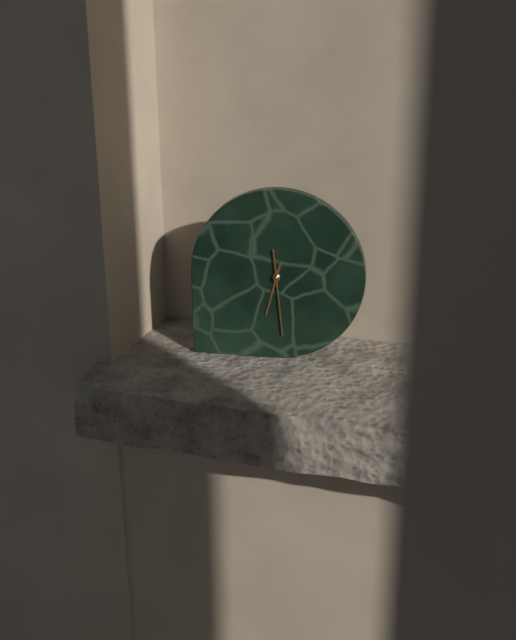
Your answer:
**6:29**
